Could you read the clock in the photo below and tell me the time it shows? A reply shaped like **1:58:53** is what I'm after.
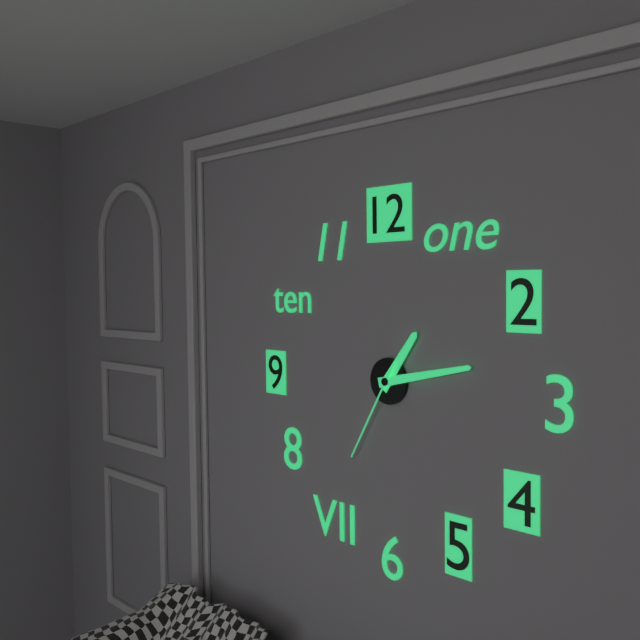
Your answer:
**1:13:35**
